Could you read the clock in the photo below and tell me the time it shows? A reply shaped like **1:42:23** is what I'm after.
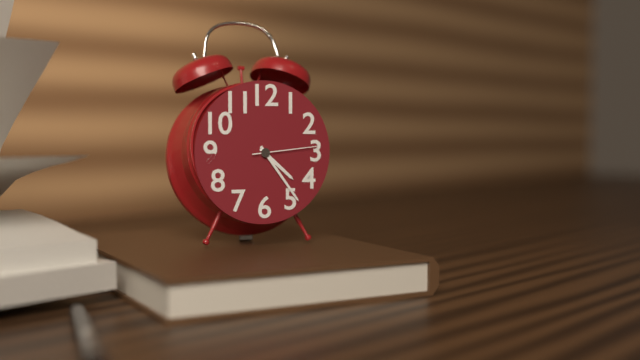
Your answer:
**4:24:14**
